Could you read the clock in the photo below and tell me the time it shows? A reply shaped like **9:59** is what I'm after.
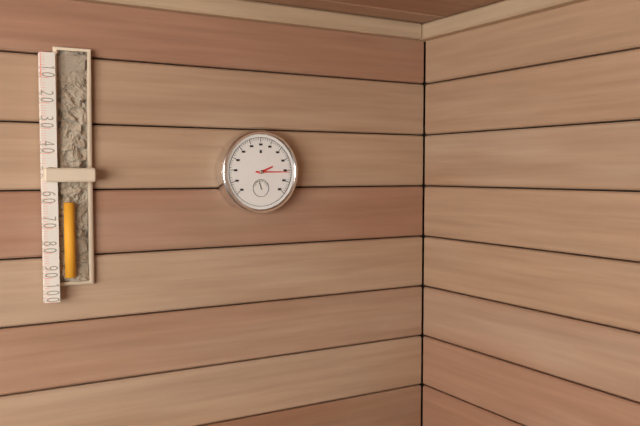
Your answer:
**2:15**
